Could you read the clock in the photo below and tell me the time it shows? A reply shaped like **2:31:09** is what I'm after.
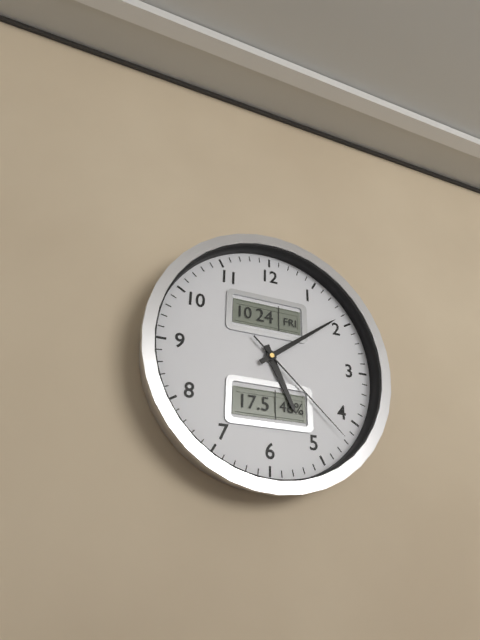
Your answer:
**5:09:22**
